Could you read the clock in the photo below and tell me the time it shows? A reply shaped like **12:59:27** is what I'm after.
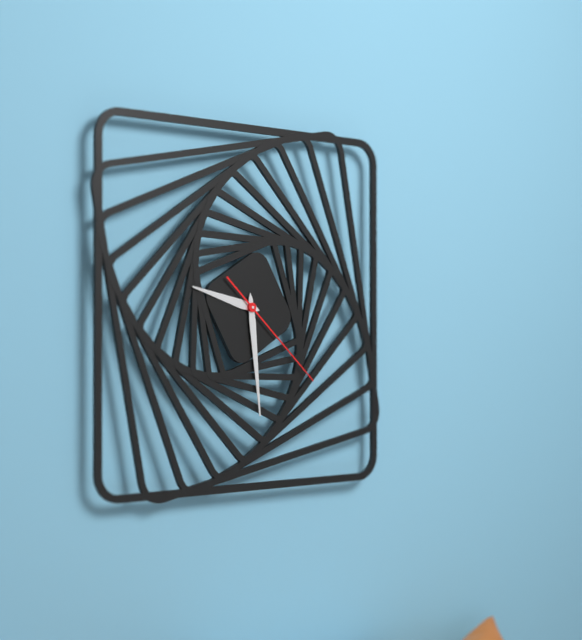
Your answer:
**9:29:22**
